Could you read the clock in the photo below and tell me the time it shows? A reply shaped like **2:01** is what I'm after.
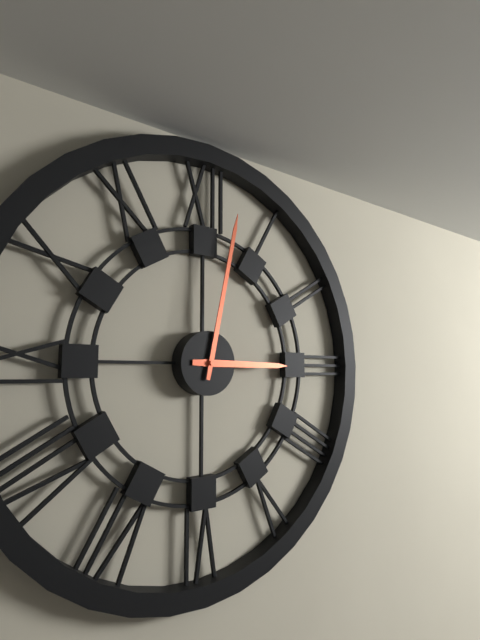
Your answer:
**3:02**
